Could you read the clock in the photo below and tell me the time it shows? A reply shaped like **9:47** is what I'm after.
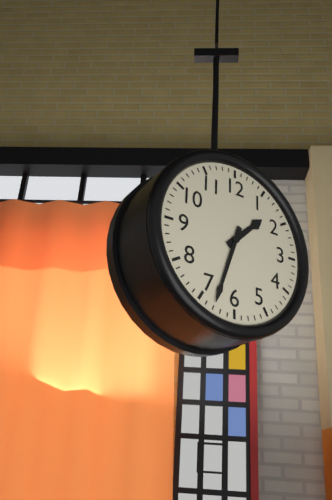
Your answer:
**1:33**
